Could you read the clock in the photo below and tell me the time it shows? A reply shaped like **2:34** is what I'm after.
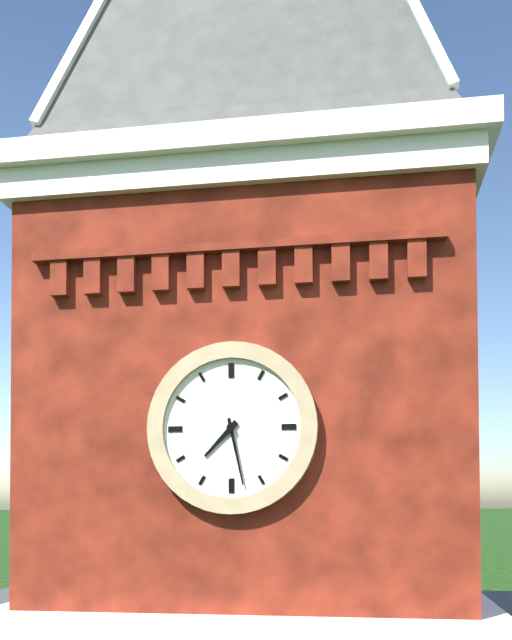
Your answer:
**7:28**
